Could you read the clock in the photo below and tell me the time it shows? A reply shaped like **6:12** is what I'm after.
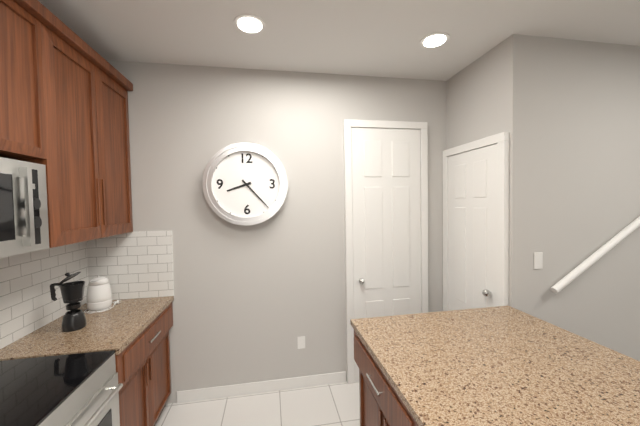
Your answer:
**8:23**
